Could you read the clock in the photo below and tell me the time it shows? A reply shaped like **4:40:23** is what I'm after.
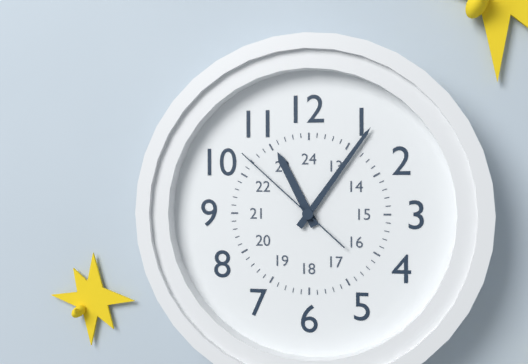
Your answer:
**11:06:52**
